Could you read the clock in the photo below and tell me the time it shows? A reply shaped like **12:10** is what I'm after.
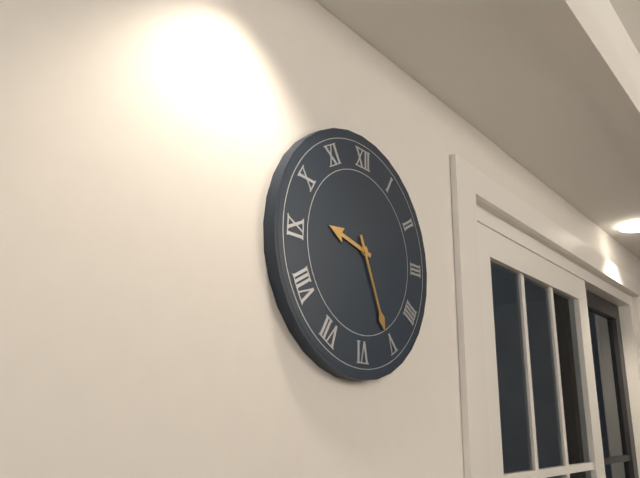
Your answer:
**9:26**
